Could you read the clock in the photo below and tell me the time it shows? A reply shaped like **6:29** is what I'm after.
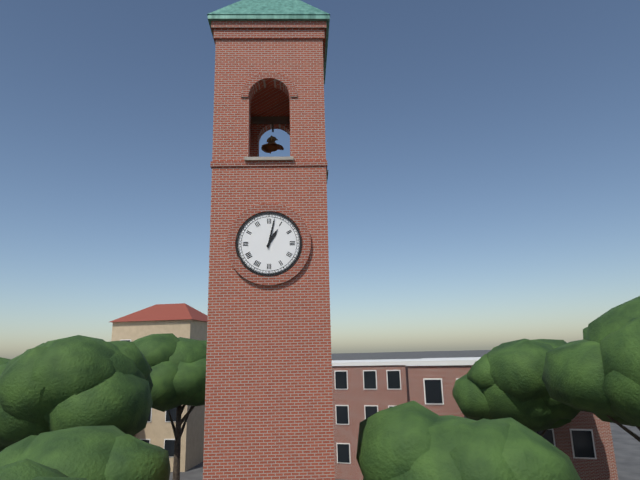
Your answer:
**1:02**
